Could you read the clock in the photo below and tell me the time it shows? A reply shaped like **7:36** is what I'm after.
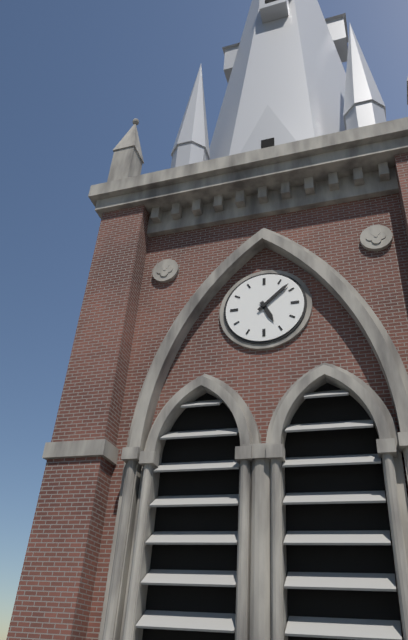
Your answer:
**5:08**
